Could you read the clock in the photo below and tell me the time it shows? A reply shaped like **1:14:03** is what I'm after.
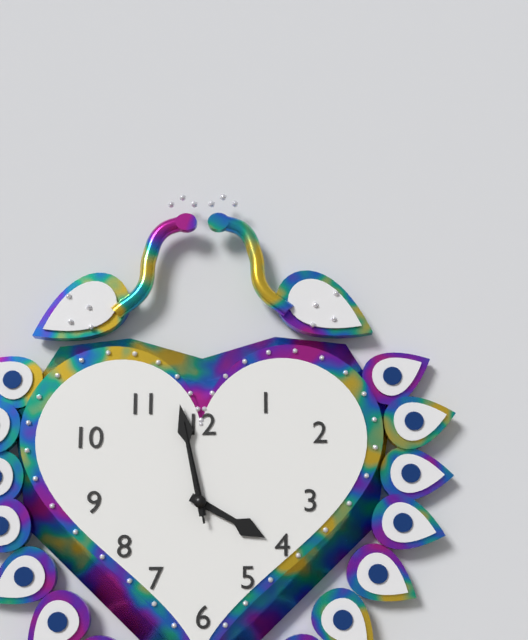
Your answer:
**3:58:58**
